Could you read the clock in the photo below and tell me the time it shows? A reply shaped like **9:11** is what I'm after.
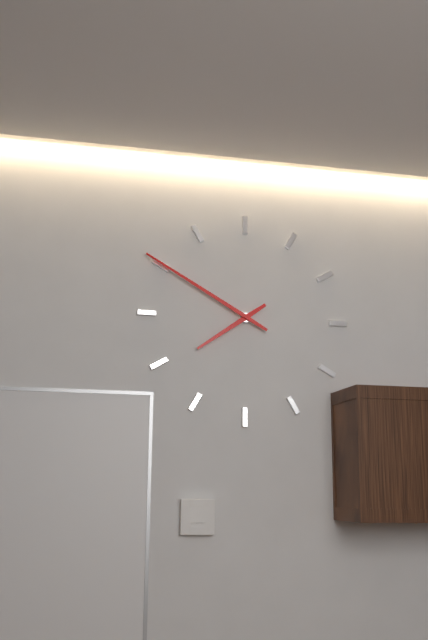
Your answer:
**7:50**
